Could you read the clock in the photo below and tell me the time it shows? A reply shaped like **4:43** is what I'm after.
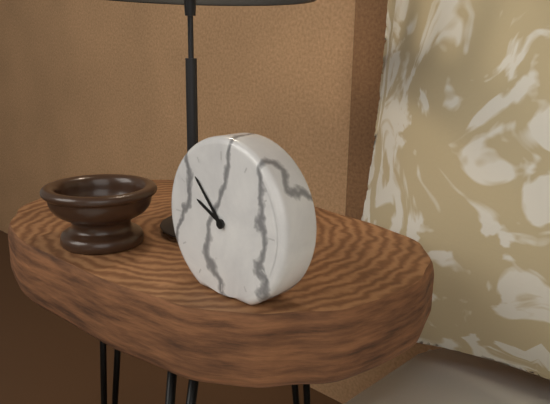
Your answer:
**9:53**
